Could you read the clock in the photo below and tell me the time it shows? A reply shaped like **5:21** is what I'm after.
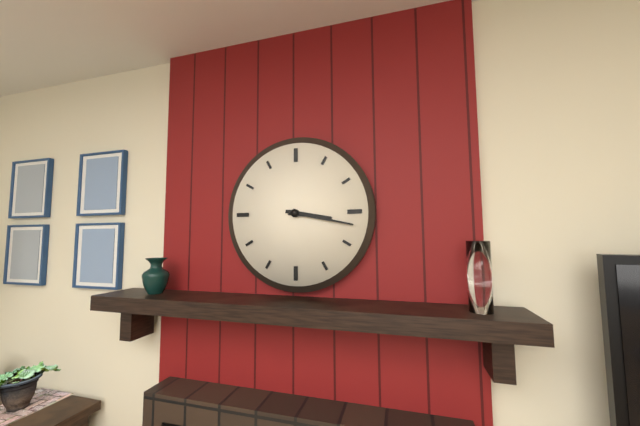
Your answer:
**3:17**
